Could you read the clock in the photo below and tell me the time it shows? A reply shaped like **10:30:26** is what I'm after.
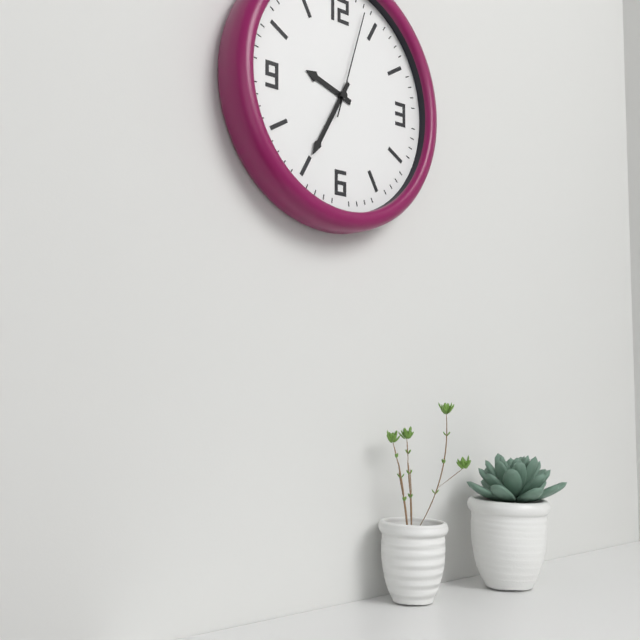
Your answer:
**9:35:03**
